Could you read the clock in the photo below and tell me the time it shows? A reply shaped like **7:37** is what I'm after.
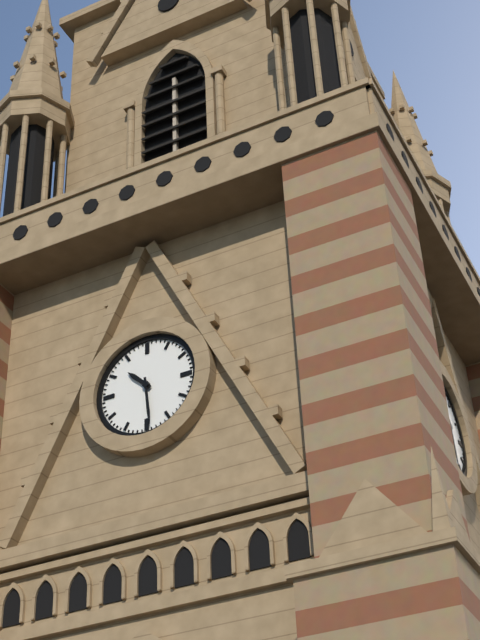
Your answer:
**10:29**
